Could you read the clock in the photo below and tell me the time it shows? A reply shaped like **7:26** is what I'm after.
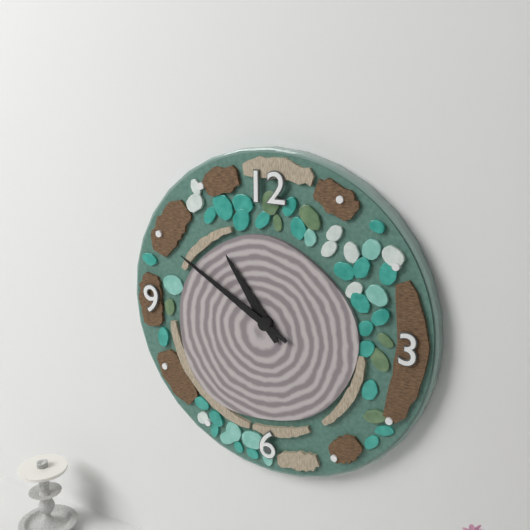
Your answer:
**10:50**
